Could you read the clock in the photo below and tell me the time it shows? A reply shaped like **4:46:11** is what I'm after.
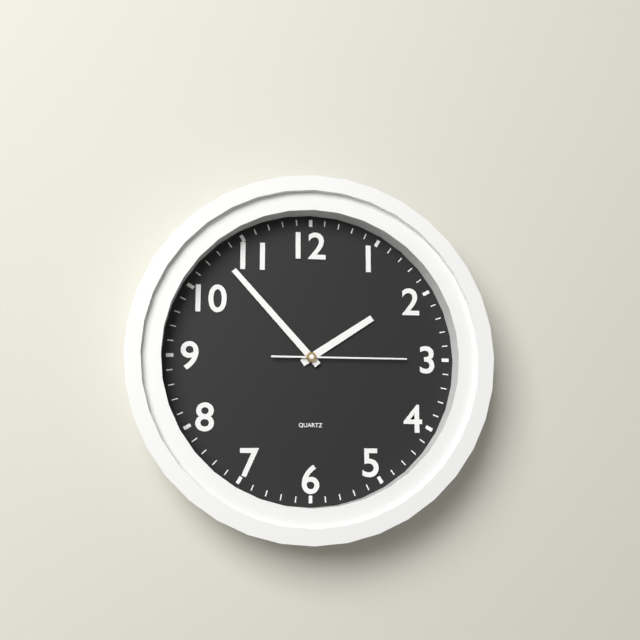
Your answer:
**1:53:15**
